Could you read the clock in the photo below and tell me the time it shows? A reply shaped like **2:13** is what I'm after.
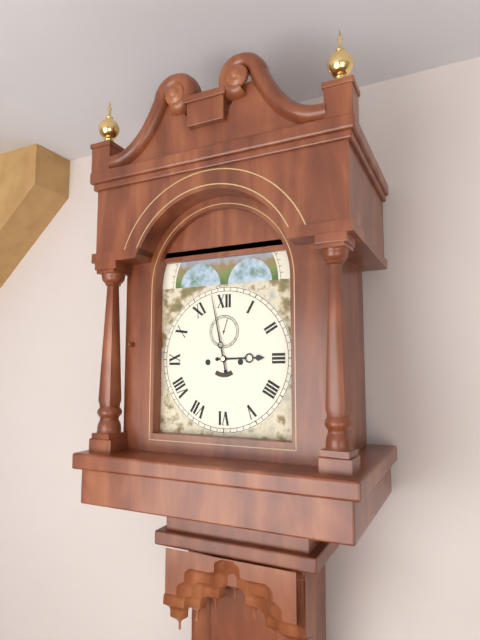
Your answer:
**2:58**
